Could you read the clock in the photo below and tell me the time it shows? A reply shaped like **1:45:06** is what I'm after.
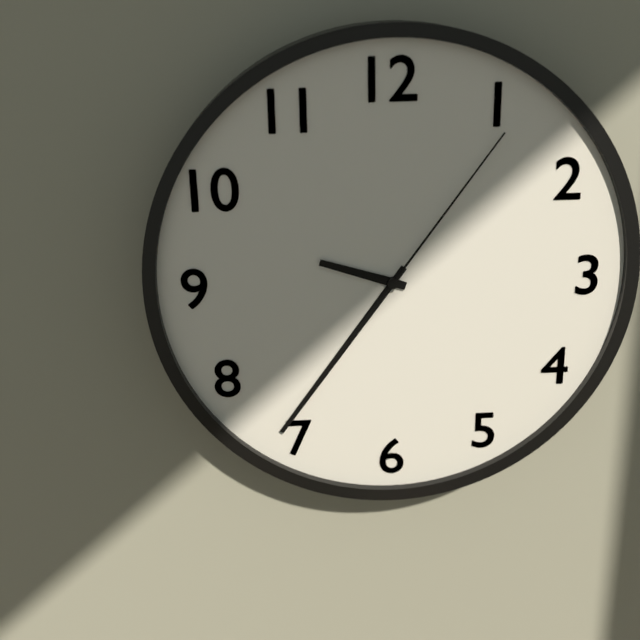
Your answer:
**9:36:06**
